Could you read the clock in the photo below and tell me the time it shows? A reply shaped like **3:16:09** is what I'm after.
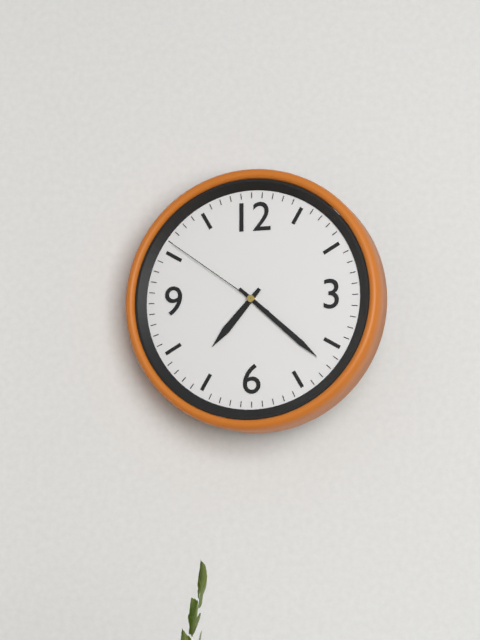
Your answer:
**7:22:51**
